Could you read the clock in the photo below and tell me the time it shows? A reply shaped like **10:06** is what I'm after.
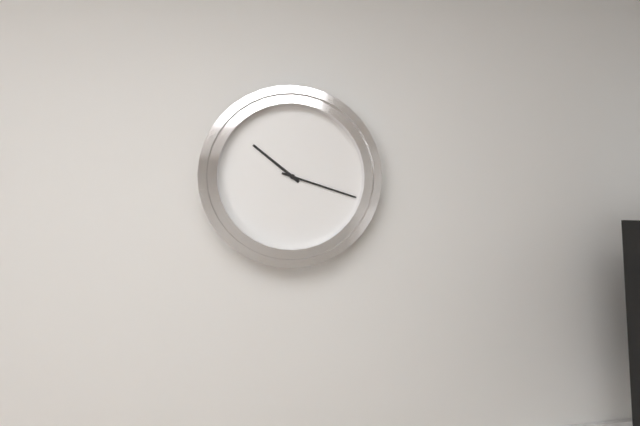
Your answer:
**10:18**
